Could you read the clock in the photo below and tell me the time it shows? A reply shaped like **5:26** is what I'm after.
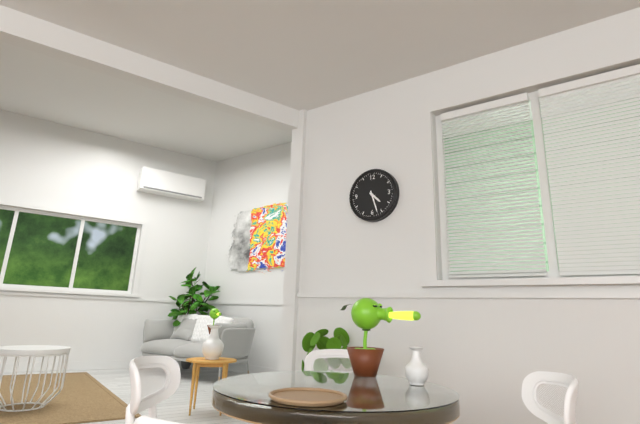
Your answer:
**4:27**
